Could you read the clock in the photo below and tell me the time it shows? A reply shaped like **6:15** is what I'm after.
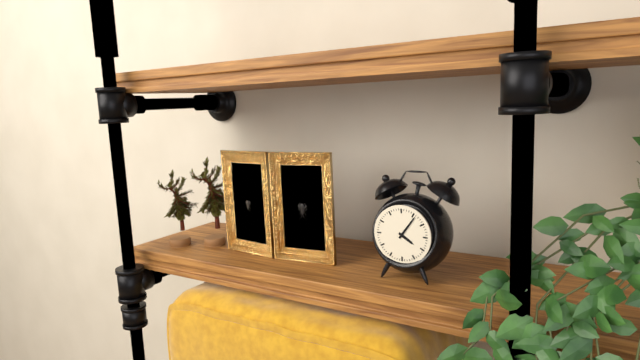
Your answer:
**4:06**
